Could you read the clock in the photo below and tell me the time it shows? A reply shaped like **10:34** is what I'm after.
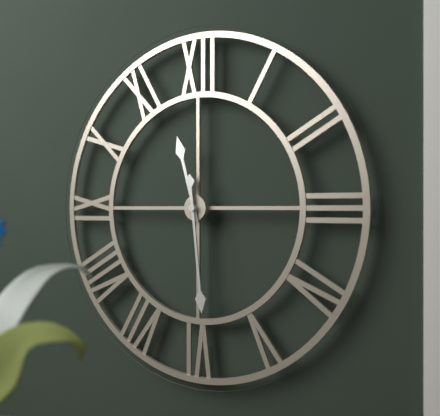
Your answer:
**11:29**
